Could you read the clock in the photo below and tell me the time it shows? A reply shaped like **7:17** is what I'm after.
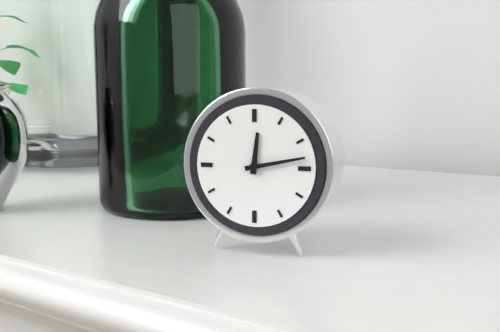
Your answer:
**12:13**
